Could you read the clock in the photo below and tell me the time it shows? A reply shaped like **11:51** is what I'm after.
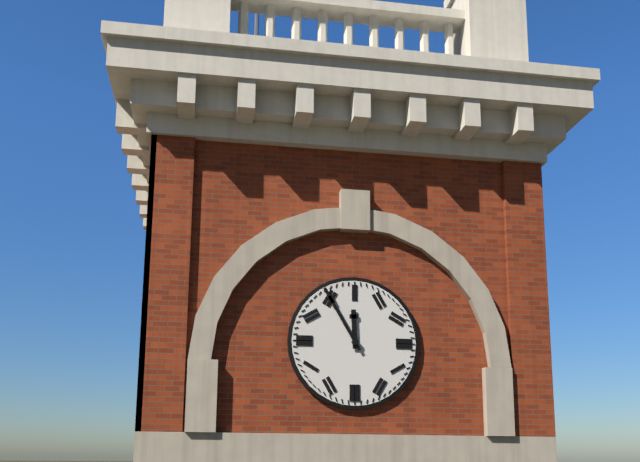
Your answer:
**11:55**
